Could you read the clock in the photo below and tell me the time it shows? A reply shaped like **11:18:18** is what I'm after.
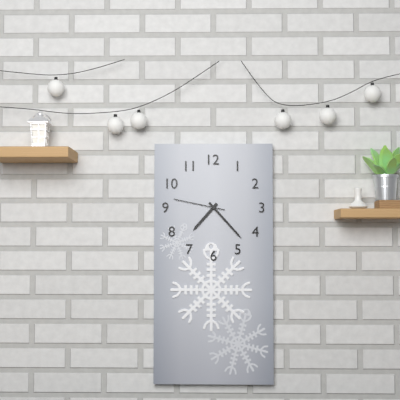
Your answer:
**7:23:47**
